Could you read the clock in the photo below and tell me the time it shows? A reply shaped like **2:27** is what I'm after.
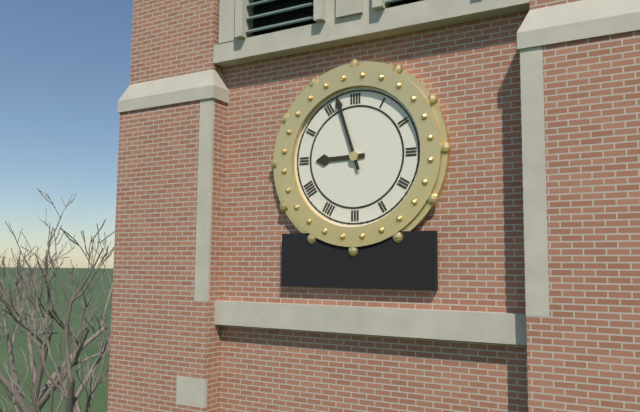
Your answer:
**8:57**
